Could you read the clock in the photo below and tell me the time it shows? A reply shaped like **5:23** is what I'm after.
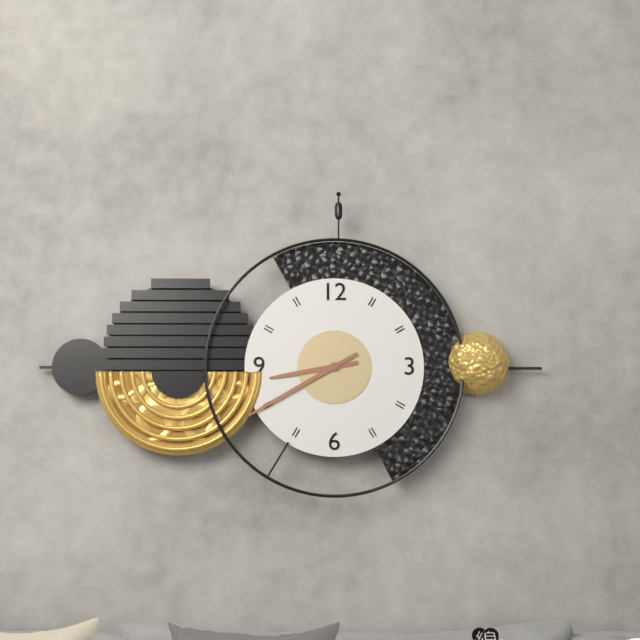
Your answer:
**8:40**
